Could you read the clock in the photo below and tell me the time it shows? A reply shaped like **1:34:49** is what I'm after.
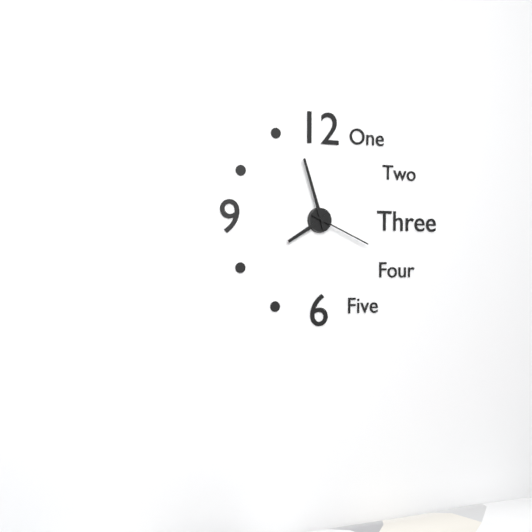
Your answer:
**7:57:19**
